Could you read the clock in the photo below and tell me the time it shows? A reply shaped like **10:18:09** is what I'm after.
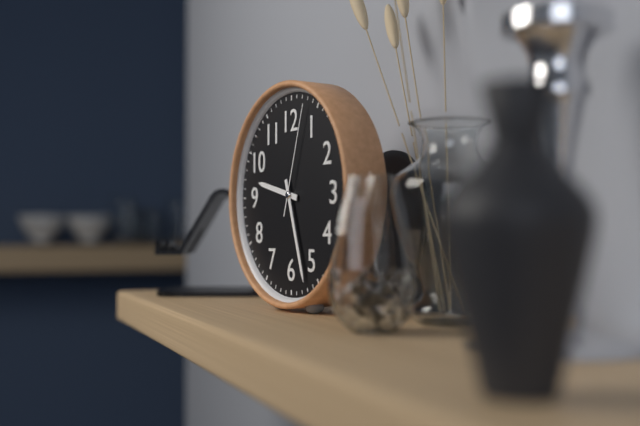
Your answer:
**9:27:03**
